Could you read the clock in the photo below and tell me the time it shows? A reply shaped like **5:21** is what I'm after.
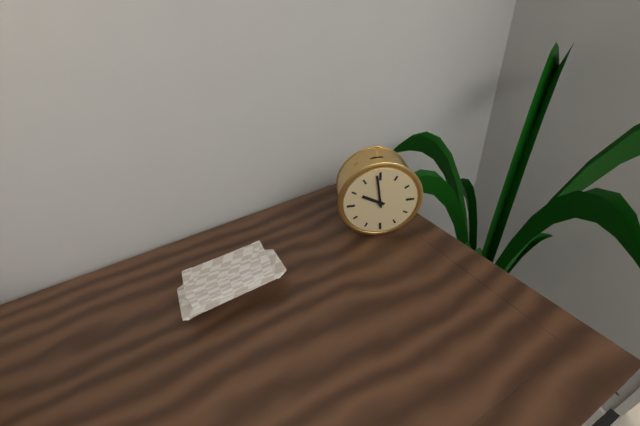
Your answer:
**9:59**
